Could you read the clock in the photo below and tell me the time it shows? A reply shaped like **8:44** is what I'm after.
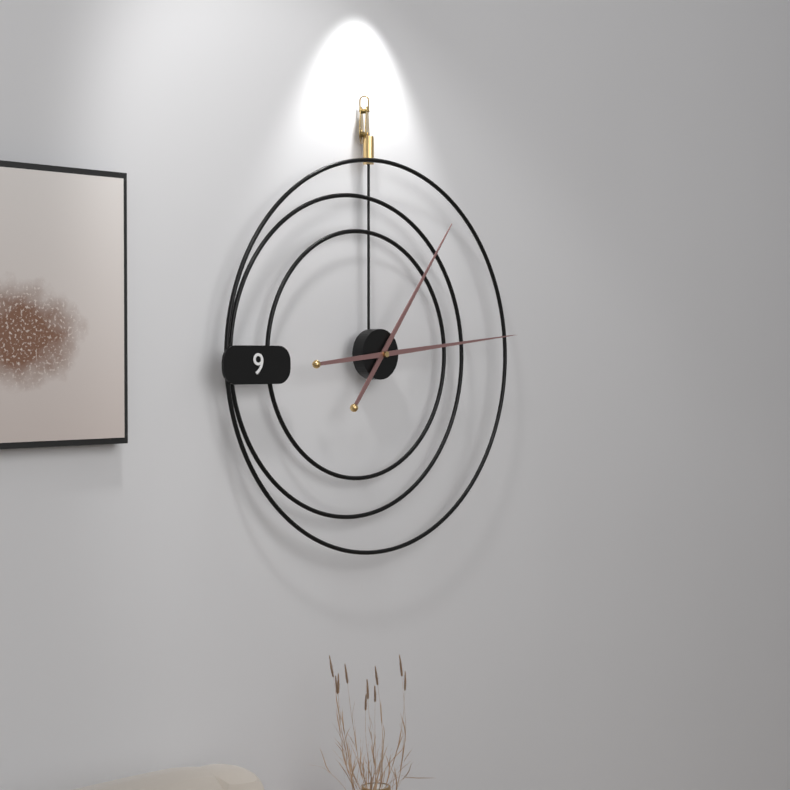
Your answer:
**1:14**
